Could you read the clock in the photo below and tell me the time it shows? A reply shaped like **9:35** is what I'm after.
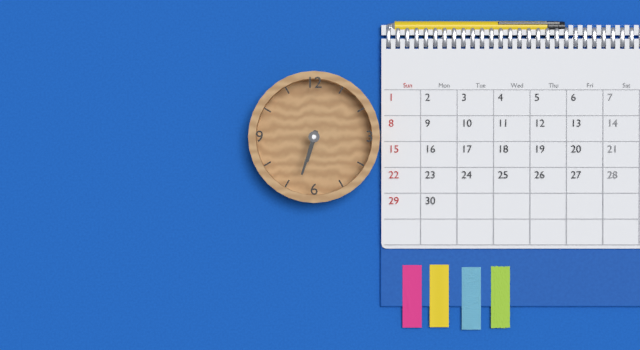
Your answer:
**6:33**
